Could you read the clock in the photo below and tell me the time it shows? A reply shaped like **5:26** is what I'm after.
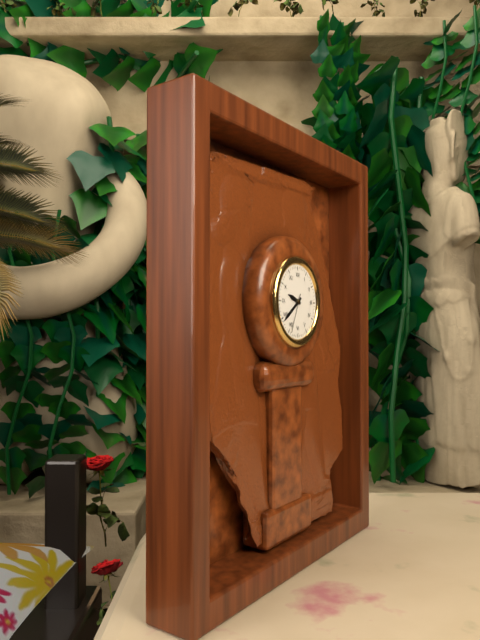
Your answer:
**9:39**
